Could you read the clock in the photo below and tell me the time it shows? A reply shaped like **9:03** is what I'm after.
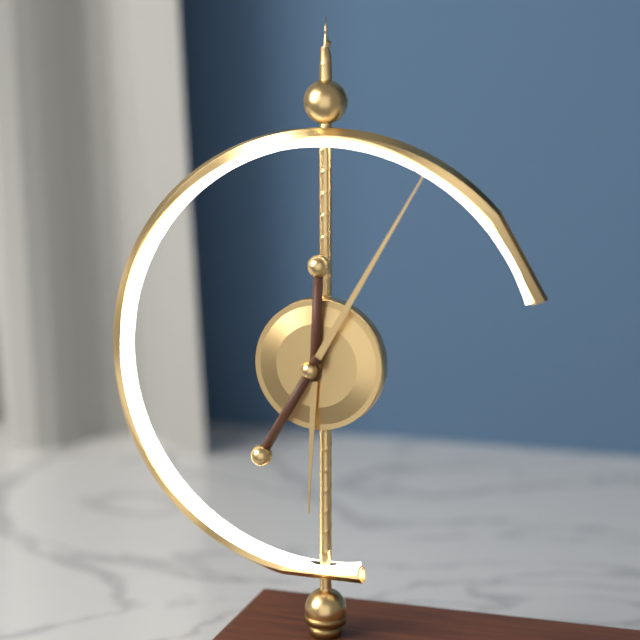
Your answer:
**6:05**
